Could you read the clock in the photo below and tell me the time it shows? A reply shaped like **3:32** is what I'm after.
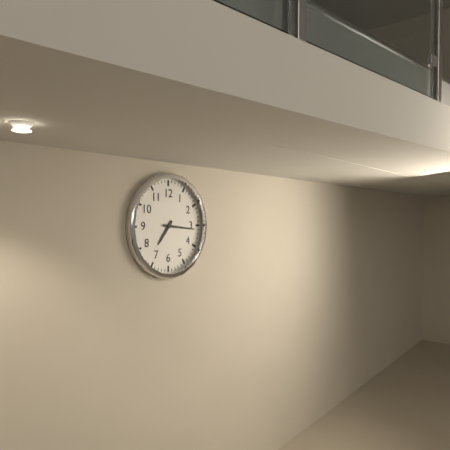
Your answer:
**7:16**
